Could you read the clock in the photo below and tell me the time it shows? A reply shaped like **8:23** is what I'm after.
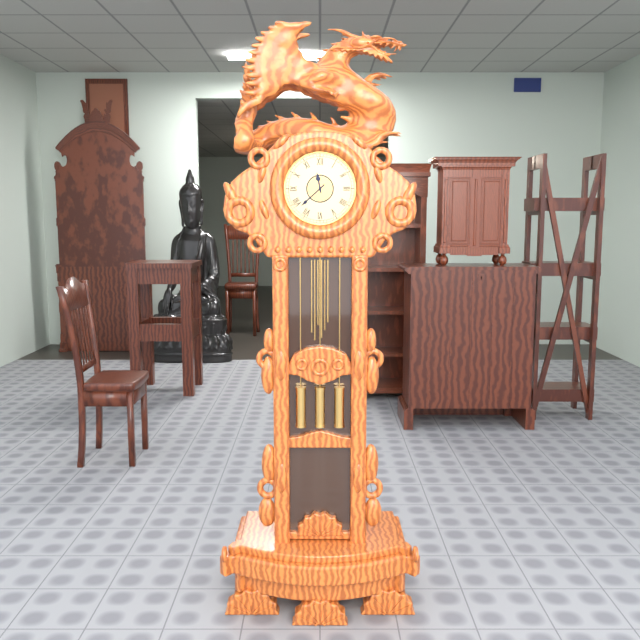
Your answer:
**11:38**
